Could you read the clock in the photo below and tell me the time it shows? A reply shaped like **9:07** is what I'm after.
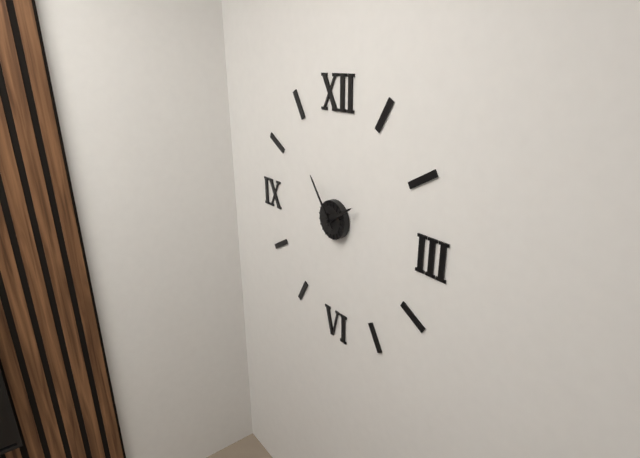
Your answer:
**1:54**
